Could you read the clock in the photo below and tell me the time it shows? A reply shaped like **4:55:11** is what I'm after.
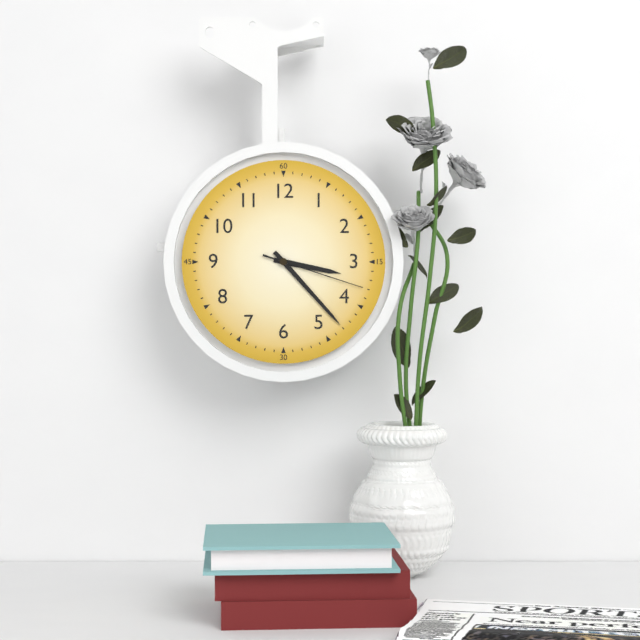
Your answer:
**3:23:18**
